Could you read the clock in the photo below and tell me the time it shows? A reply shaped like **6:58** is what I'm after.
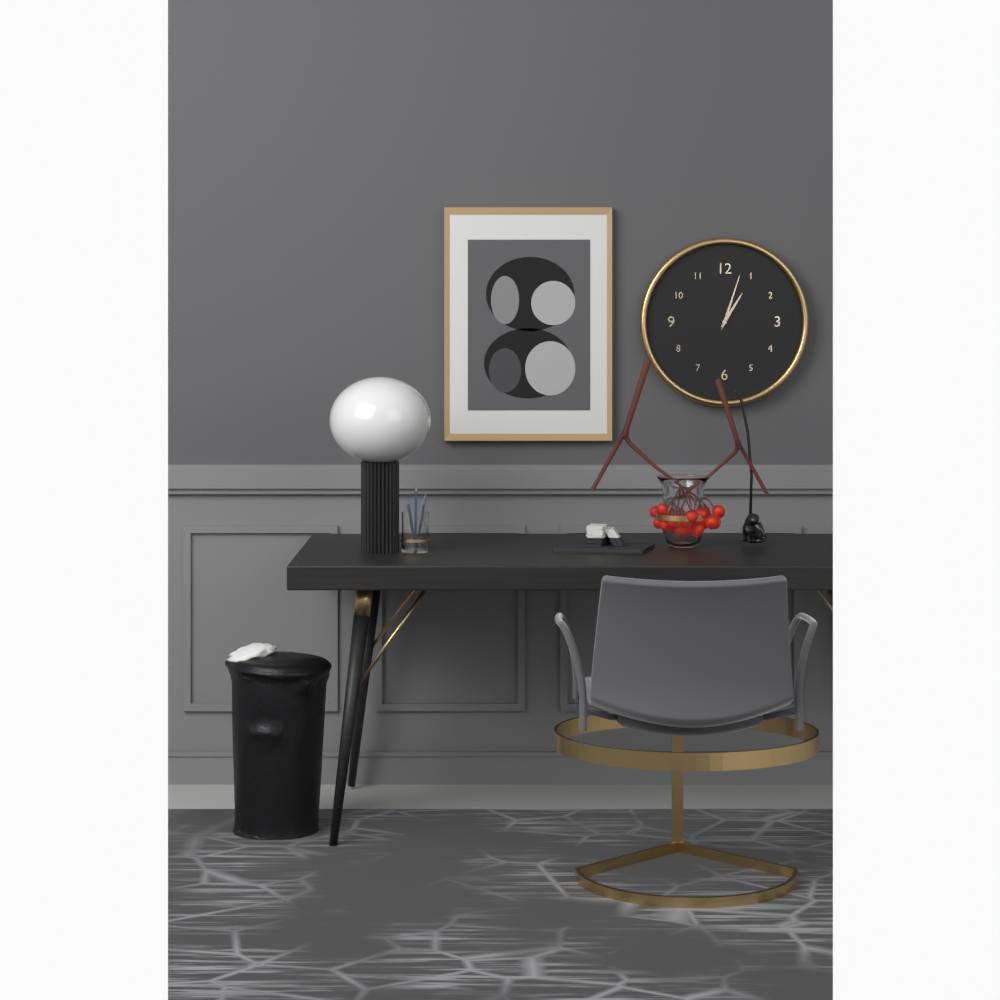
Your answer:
**1:03**
